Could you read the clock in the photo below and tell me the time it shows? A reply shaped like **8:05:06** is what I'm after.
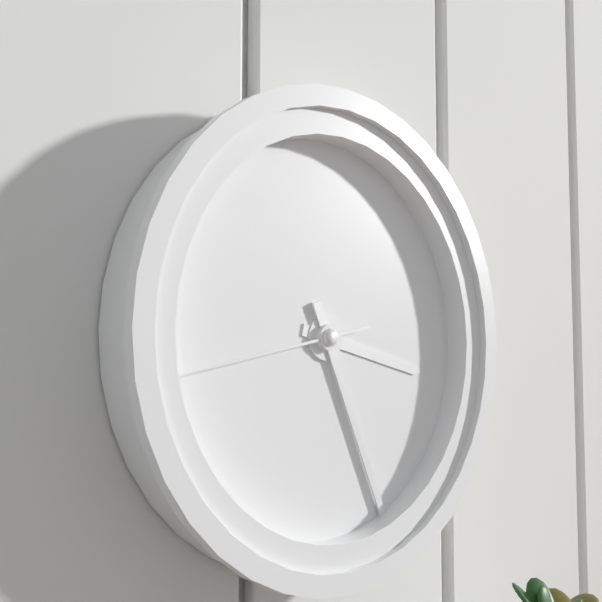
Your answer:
**3:26:43**
